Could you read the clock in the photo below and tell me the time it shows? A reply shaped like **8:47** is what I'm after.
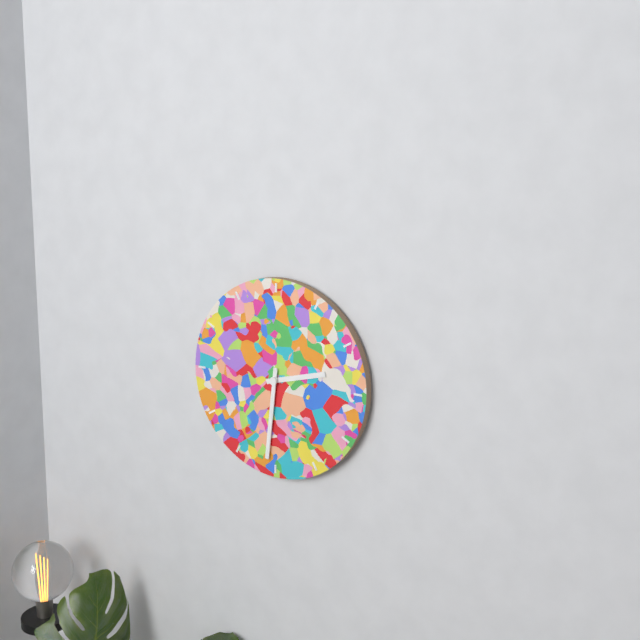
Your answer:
**2:31**
